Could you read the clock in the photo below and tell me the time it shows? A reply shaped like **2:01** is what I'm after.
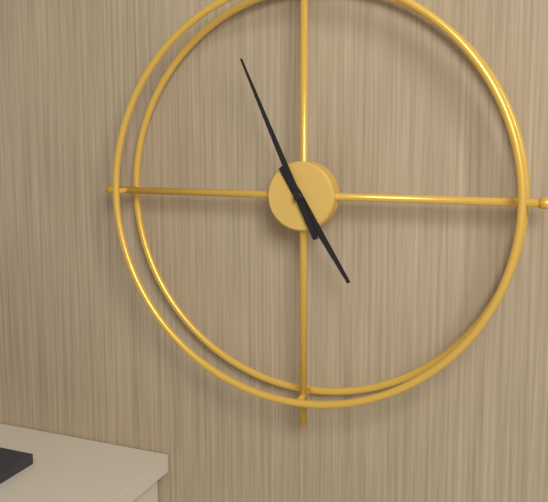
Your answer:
**4:56**
